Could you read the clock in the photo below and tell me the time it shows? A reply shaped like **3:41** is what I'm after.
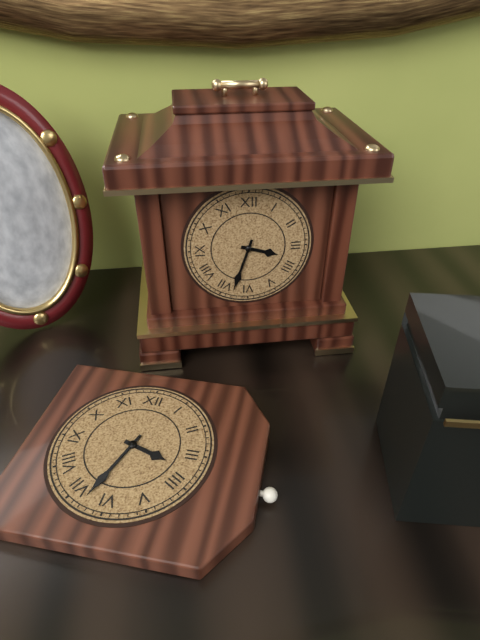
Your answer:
**3:33**
